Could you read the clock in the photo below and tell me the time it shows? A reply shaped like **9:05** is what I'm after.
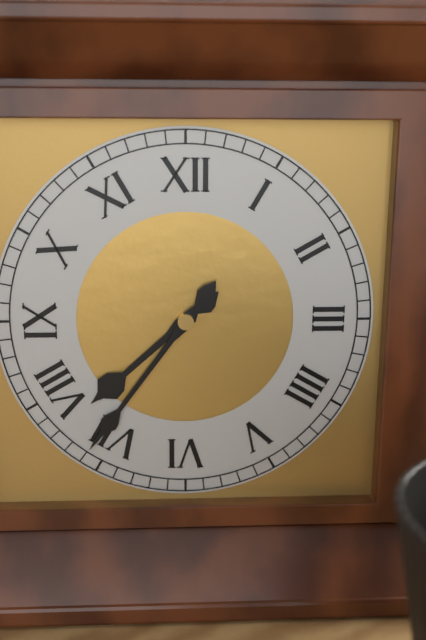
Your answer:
**7:36**
